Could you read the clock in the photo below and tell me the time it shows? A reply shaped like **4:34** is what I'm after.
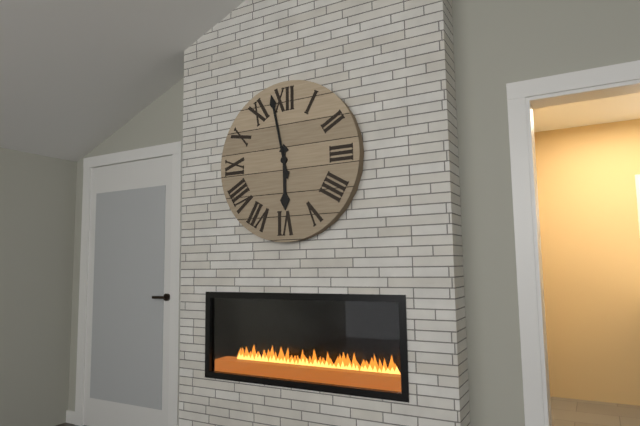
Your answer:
**5:58**
